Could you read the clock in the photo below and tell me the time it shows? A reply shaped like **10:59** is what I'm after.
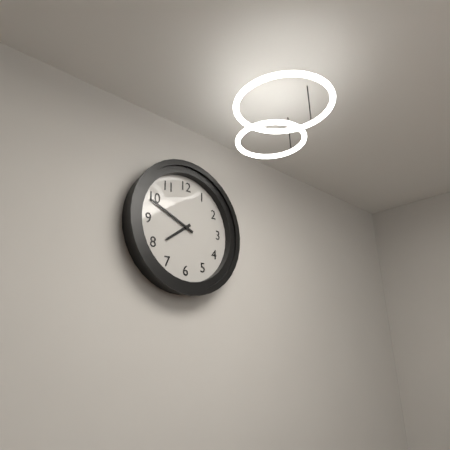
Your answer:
**7:49**
